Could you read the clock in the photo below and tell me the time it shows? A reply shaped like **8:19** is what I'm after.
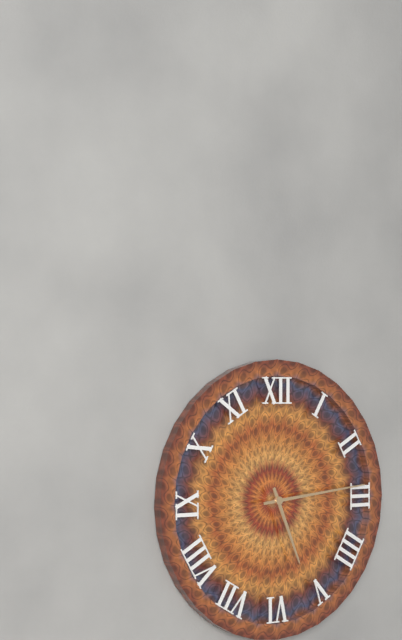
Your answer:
**5:14**
